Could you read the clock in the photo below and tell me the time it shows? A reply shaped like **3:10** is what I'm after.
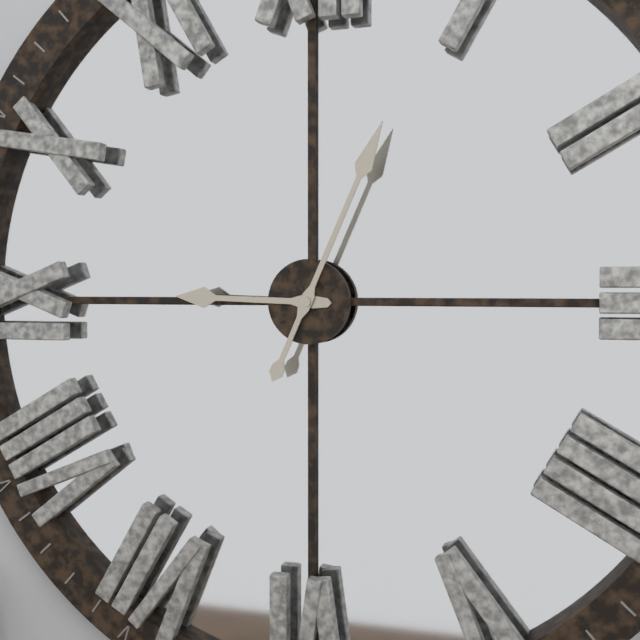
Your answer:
**9:04**
